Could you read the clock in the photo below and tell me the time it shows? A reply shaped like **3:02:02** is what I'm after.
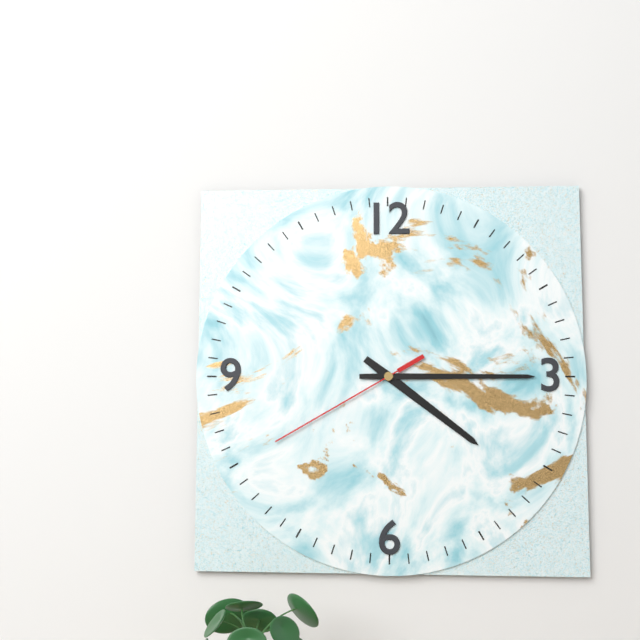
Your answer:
**4:15:40**
